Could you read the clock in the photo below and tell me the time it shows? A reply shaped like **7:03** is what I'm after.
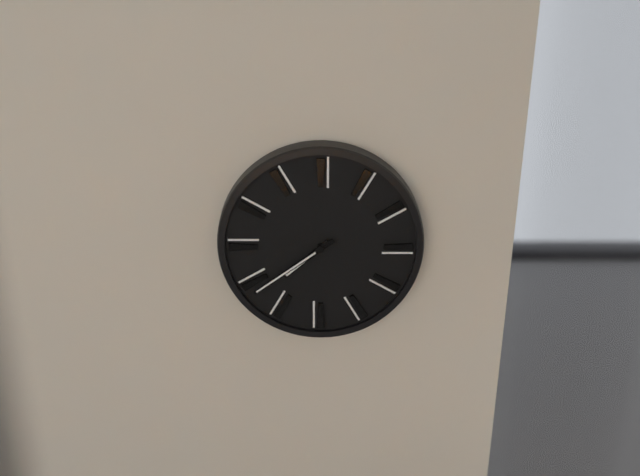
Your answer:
**7:39**
